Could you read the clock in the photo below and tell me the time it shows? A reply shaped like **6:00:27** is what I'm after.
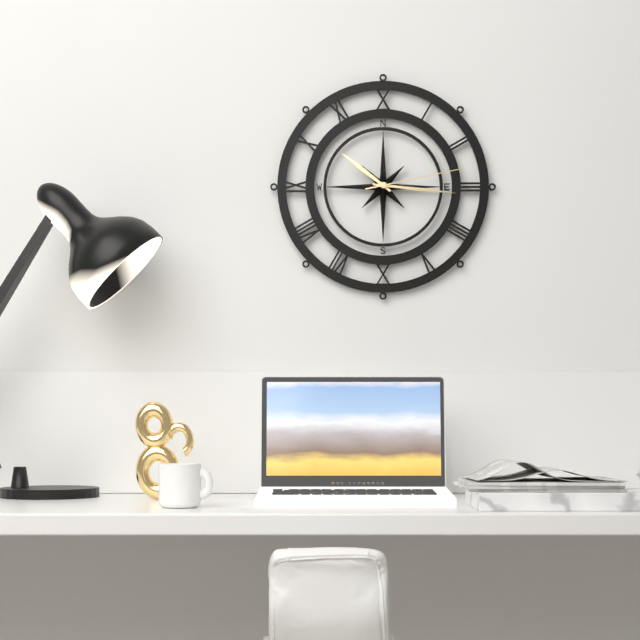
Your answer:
**10:16:13**
